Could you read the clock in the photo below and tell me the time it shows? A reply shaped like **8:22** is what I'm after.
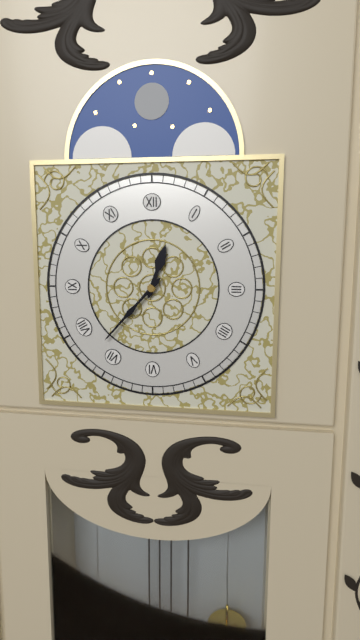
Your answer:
**12:37**
